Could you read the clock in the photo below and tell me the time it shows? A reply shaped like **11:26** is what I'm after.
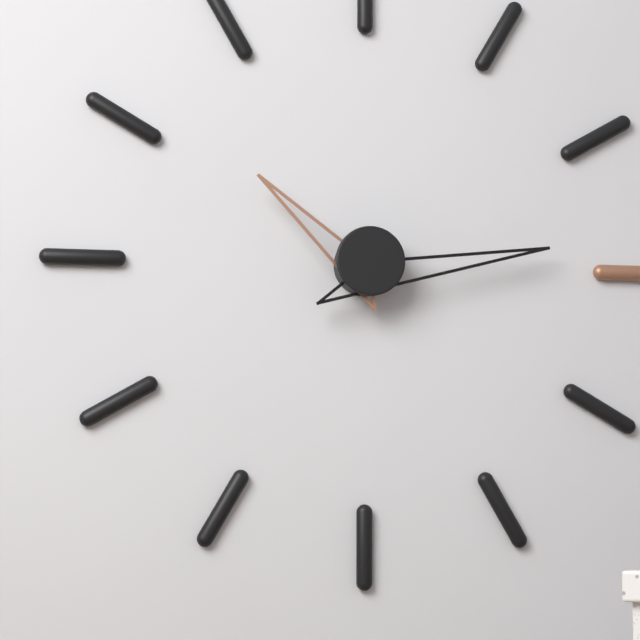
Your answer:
**10:14**
